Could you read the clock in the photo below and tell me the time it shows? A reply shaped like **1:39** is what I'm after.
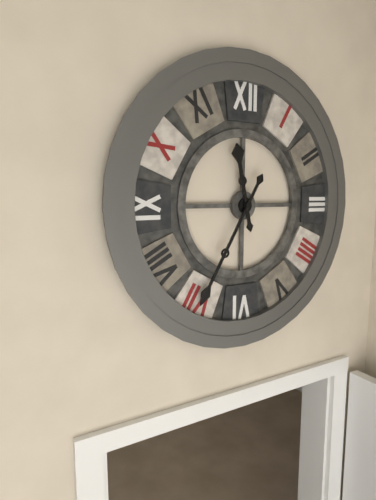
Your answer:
**11:35**
